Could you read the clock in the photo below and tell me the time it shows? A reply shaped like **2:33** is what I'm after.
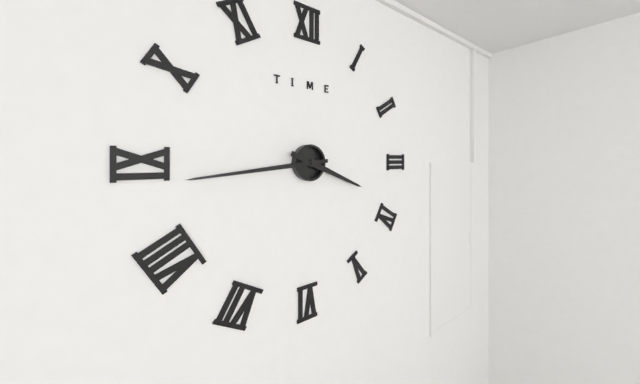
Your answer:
**3:44**
